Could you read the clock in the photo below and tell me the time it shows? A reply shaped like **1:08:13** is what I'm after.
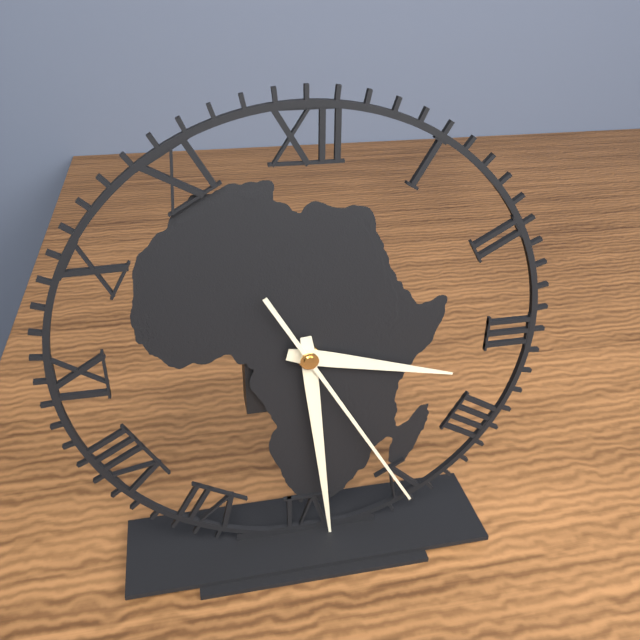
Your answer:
**3:29:25**
